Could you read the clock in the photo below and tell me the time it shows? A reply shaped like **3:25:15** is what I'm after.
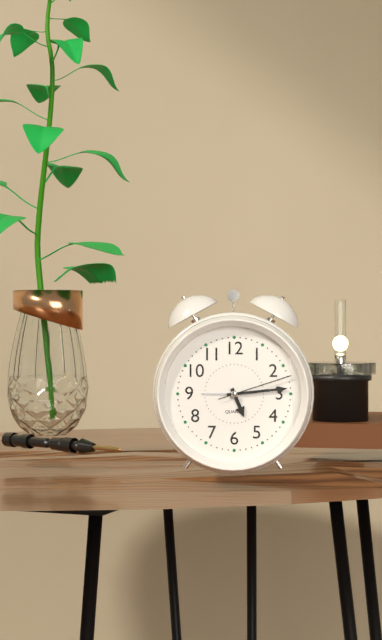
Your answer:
**5:14:12**
